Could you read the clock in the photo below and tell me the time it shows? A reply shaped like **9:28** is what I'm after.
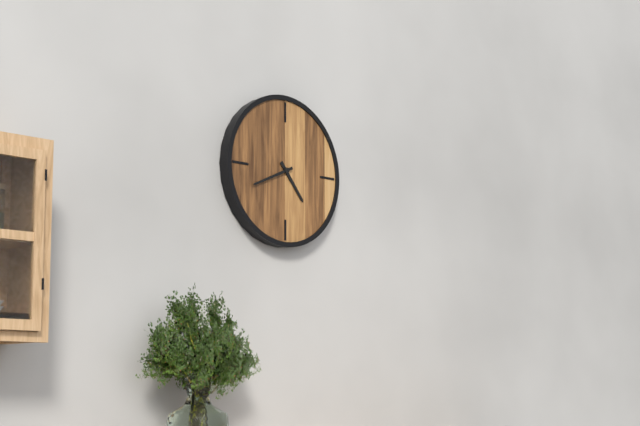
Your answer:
**4:41**
